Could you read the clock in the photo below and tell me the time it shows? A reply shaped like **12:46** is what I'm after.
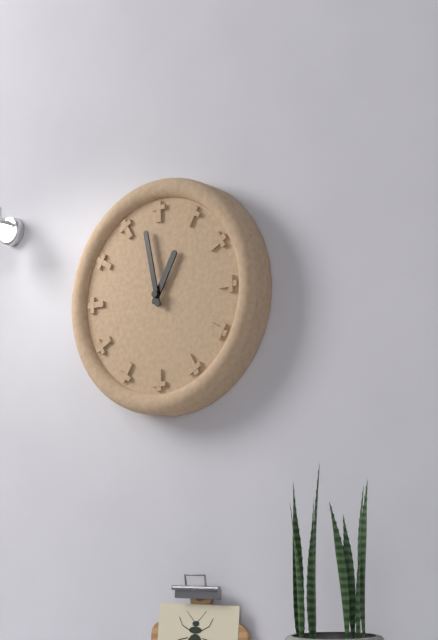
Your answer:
**12:58**
